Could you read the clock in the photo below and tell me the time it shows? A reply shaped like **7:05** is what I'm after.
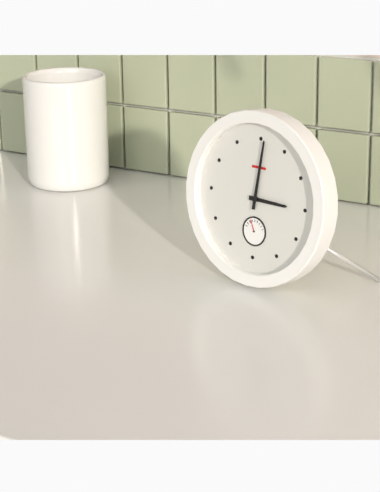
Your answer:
**3:01**
